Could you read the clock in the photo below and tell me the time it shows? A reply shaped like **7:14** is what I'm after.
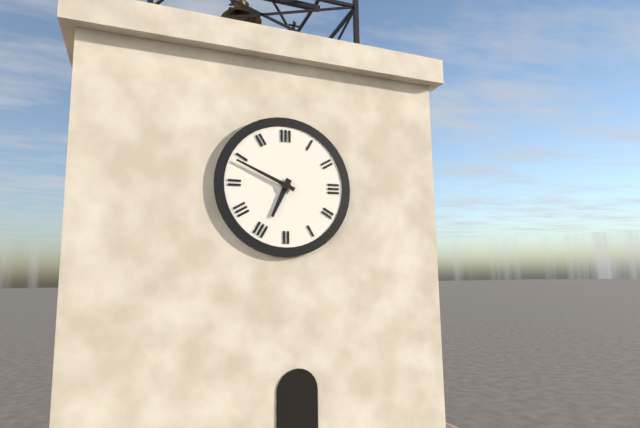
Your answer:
**6:49**
